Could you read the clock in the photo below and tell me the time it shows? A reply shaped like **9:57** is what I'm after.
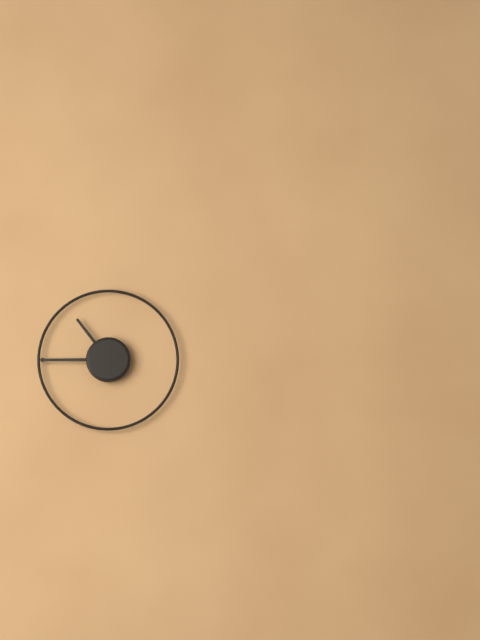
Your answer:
**10:45**
